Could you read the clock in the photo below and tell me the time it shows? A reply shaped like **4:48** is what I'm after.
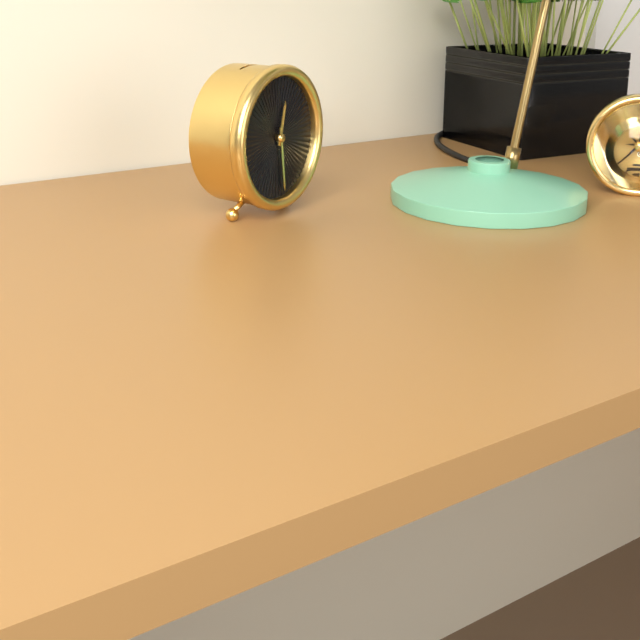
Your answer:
**12:29**
